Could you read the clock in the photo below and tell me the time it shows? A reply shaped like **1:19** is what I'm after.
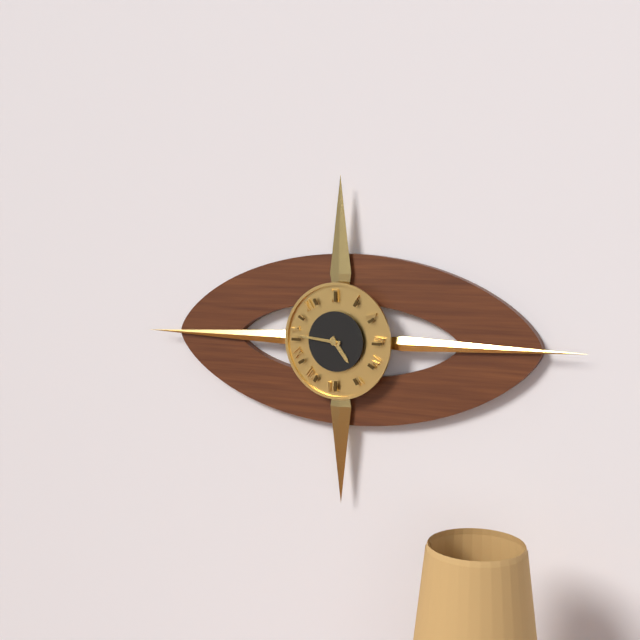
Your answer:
**4:46**
